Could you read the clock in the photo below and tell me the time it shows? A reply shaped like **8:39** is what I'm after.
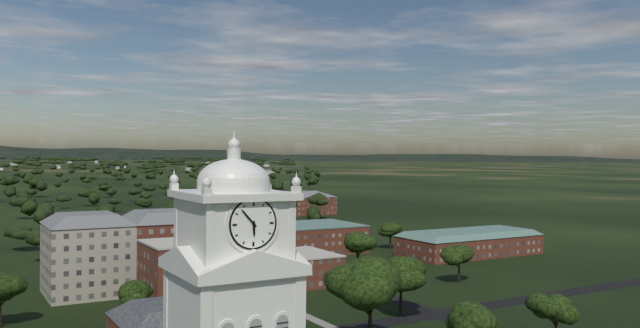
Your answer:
**5:53**
